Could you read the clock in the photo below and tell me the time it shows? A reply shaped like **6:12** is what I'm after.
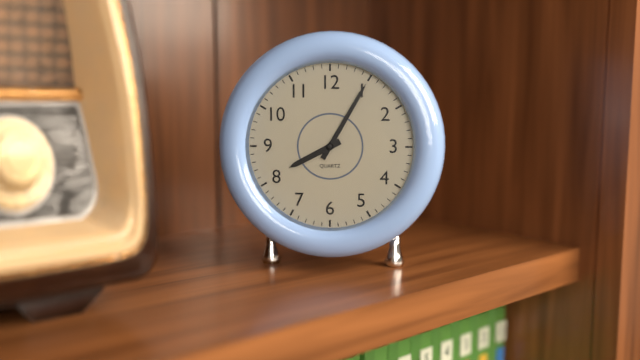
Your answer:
**8:05**
